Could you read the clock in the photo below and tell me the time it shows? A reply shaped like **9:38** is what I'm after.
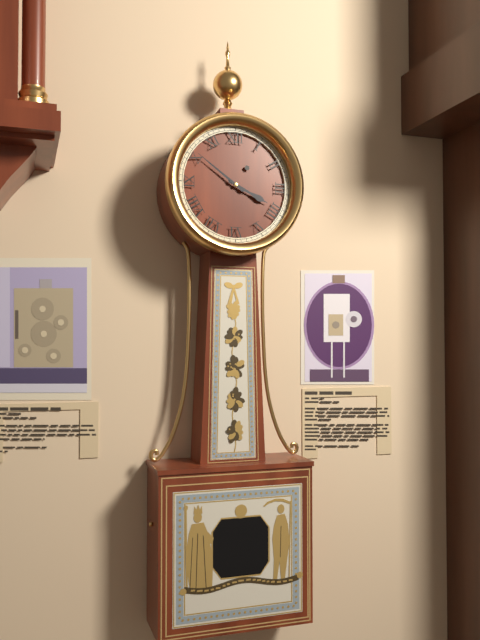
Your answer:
**3:51**
